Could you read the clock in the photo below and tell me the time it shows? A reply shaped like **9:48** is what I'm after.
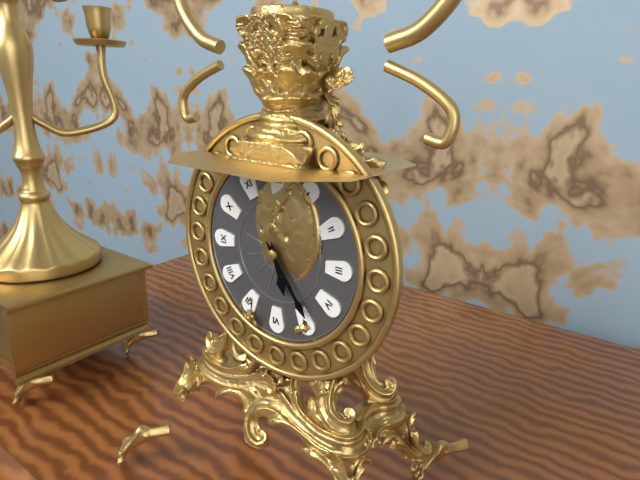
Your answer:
**5:24**
